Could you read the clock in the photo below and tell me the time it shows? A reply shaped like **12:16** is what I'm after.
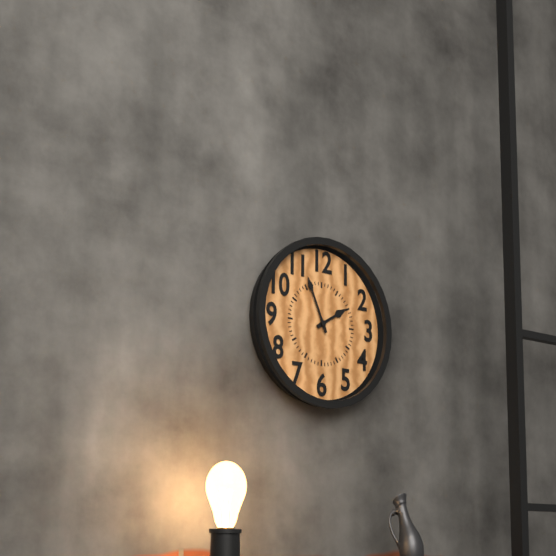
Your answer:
**1:56**
